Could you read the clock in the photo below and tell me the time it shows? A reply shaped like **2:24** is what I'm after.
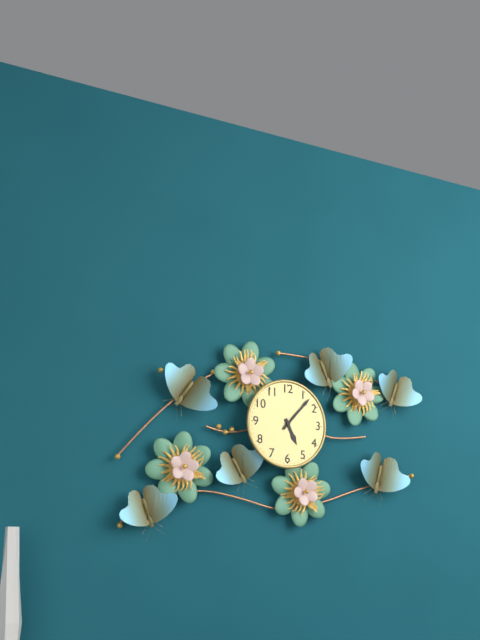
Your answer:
**5:07**
